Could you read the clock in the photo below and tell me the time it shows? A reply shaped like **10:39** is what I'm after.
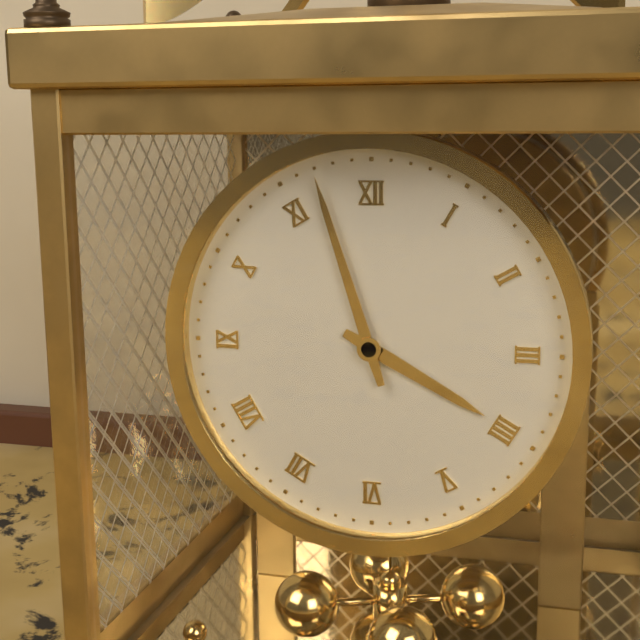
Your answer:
**3:57**
